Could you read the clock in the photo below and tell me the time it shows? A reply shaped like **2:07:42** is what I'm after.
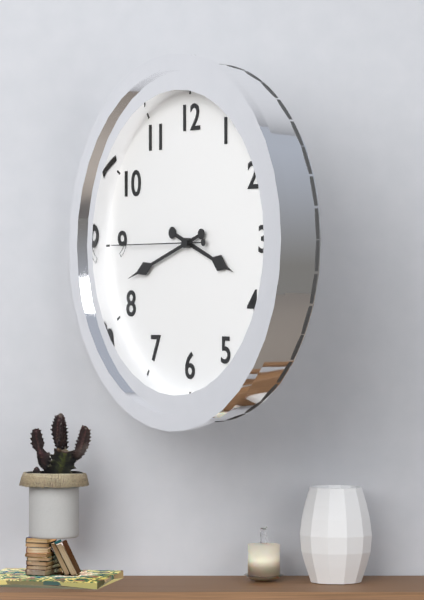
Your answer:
**3:42:45**
